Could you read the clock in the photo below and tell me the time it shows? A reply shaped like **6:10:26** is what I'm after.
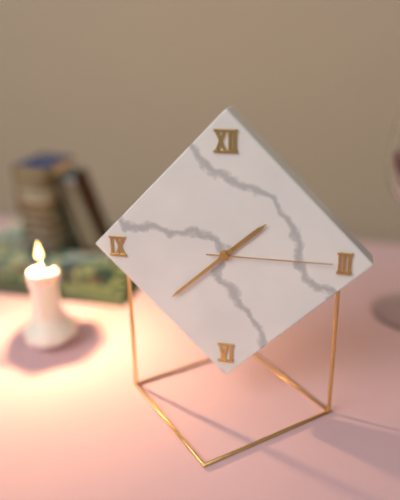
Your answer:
**1:38:15**
